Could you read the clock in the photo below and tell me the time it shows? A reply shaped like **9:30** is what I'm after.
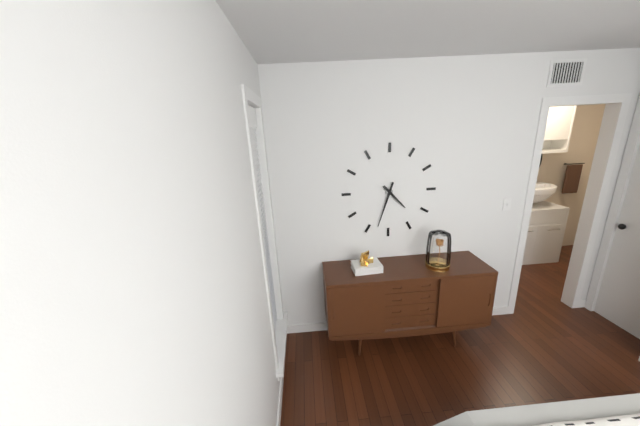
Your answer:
**4:33**
